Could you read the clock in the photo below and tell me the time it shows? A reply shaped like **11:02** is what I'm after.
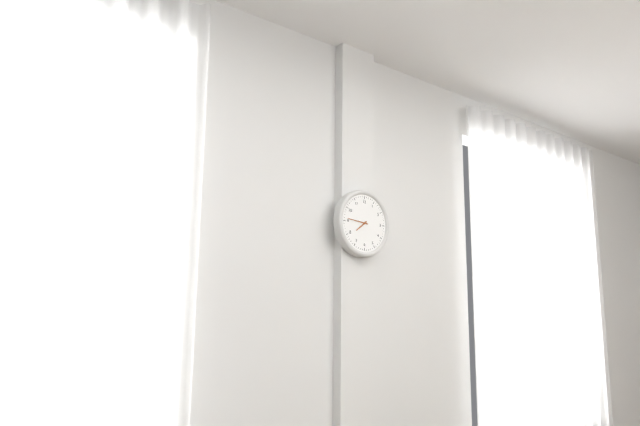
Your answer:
**7:46**
